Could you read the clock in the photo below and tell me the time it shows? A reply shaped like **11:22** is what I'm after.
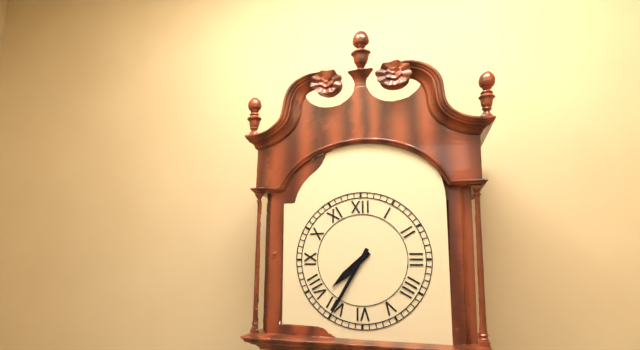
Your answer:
**7:35**
